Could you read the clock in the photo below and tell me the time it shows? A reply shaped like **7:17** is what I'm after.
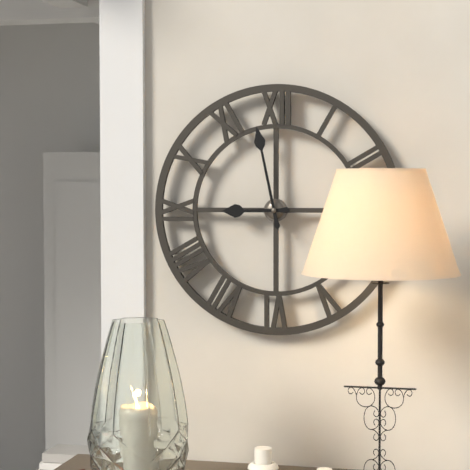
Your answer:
**8:58**
